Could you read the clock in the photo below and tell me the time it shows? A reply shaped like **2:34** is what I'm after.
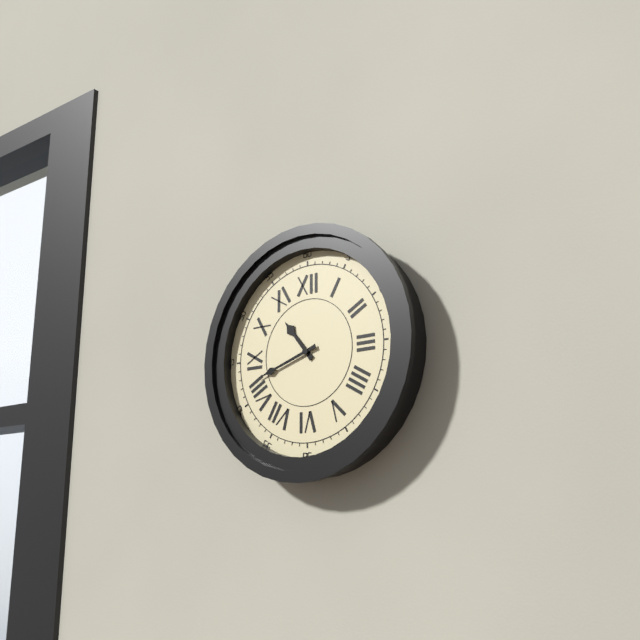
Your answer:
**10:42**
